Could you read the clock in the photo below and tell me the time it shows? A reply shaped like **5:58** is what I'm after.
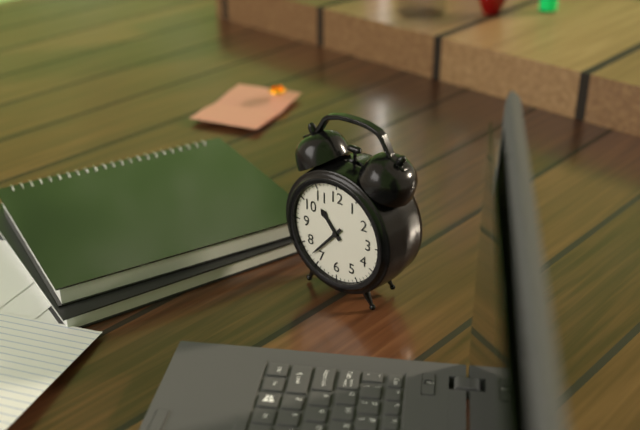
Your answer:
**10:37**
